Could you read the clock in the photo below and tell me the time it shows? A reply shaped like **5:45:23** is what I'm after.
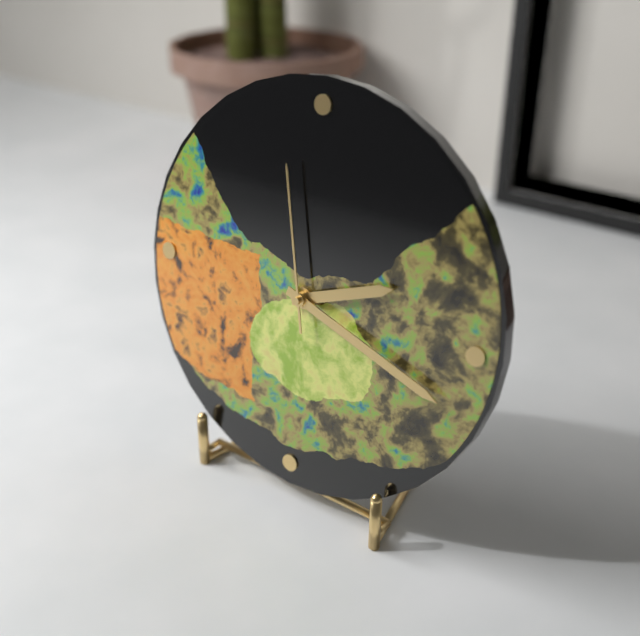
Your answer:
**2:18:58**
